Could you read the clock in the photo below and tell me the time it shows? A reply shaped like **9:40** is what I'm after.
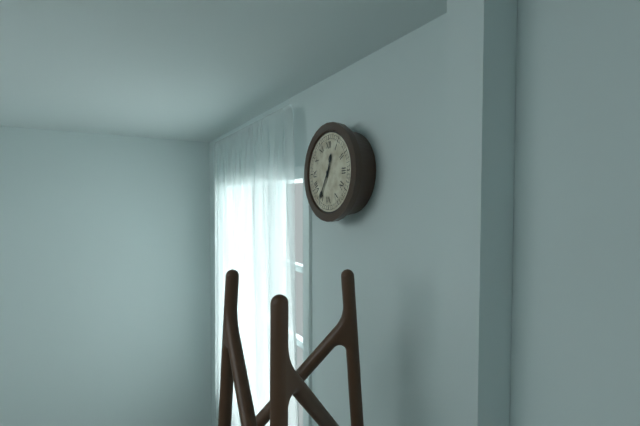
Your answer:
**12:35**
